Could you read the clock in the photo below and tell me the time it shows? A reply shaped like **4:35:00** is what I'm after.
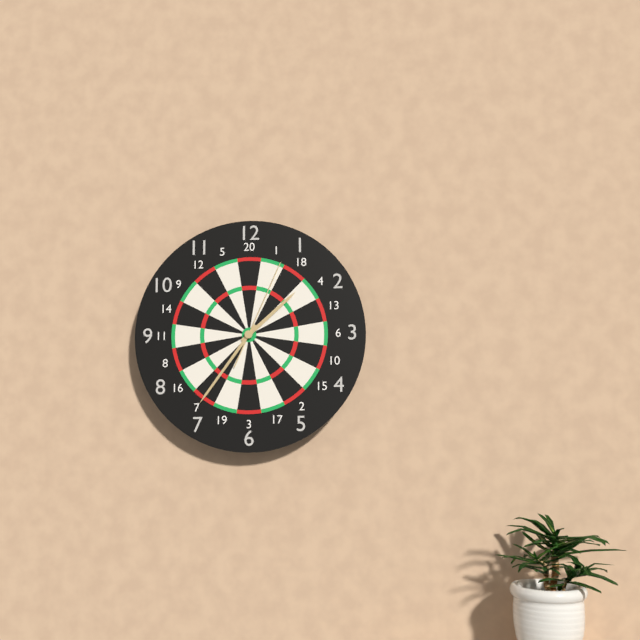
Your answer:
**1:36:04**
